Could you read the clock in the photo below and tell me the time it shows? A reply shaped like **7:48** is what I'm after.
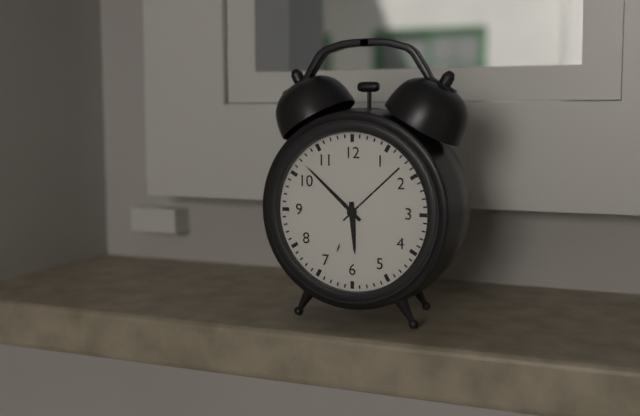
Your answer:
**5:52**
